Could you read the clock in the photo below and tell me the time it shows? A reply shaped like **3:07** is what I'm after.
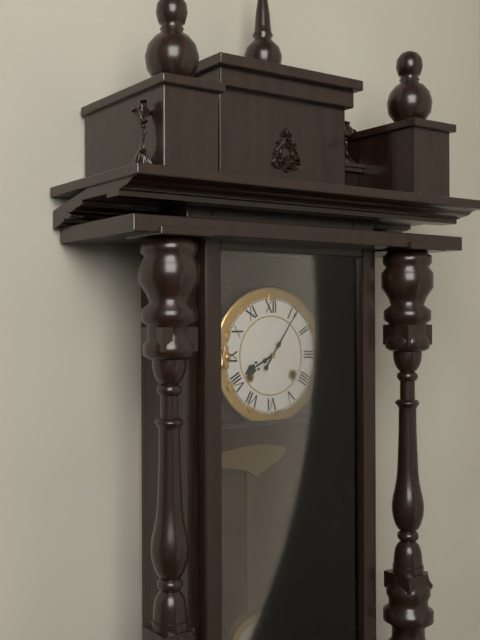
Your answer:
**8:06**
